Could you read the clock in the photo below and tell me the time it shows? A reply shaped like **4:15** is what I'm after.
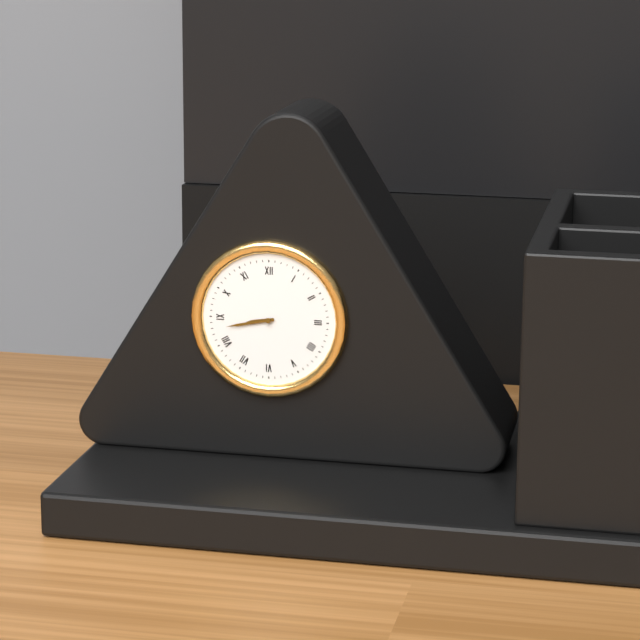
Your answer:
**8:43**
